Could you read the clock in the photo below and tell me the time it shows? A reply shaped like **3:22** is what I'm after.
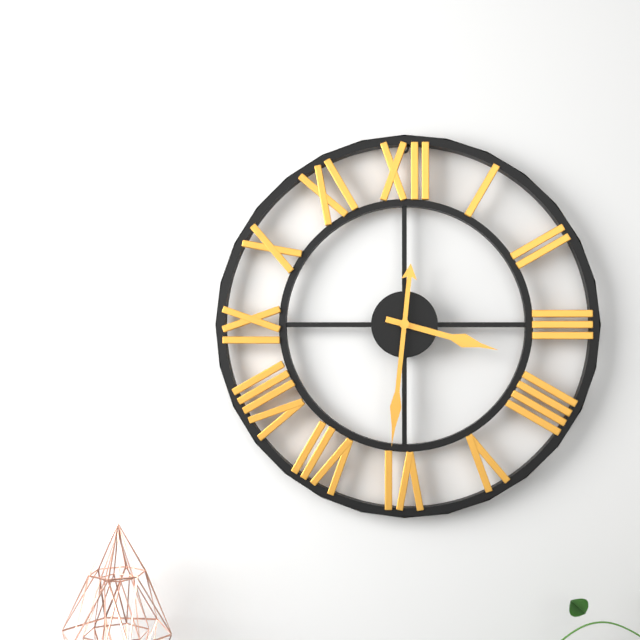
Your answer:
**3:31**
